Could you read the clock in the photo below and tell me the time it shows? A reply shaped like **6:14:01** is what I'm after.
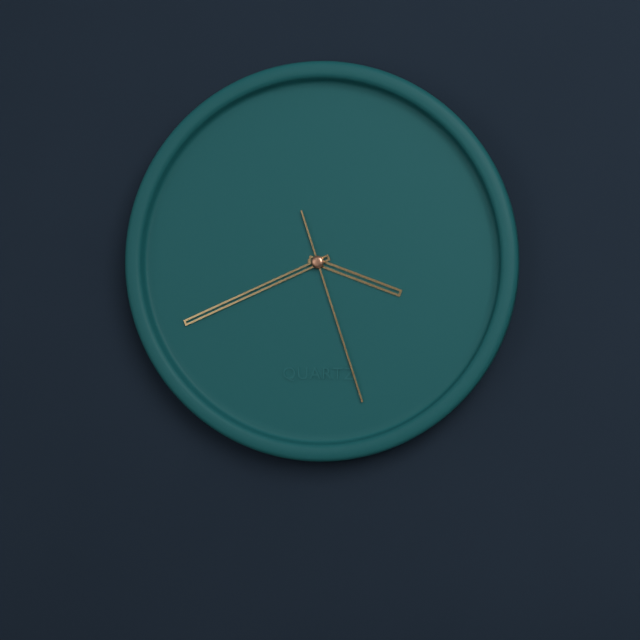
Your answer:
**3:41:27**
